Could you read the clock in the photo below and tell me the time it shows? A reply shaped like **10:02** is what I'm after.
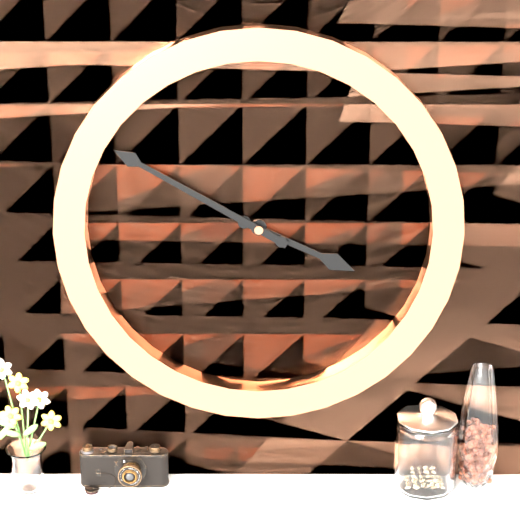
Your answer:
**3:50**
